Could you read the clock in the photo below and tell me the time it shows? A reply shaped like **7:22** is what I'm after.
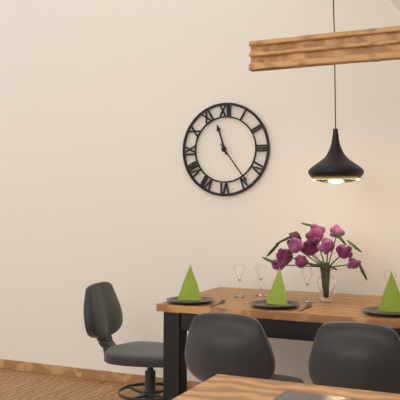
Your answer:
**11:24**
